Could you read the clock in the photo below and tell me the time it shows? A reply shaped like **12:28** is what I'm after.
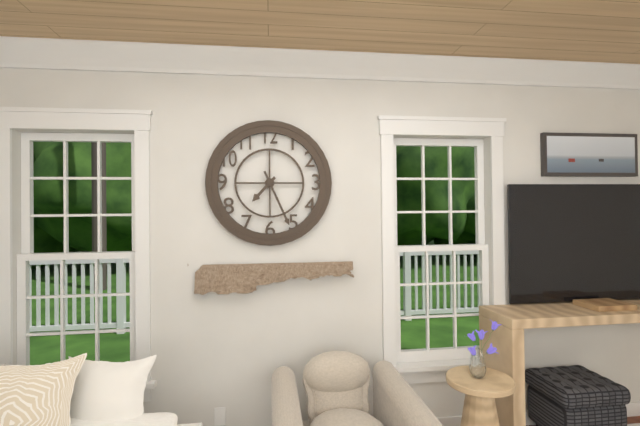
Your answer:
**7:26**
